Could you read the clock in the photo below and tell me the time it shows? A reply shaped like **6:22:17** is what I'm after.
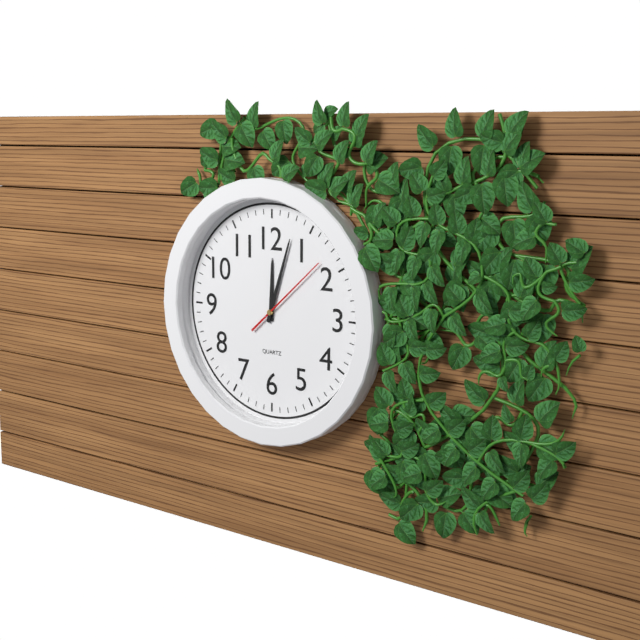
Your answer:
**12:03:08**
